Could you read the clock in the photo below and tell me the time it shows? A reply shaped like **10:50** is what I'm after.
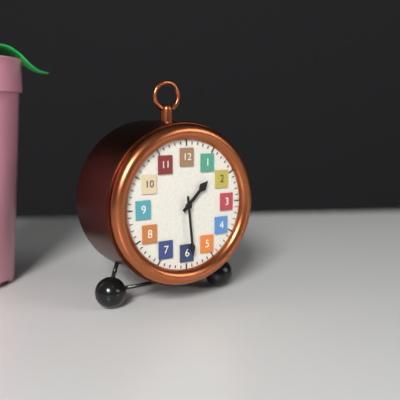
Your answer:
**1:29**
